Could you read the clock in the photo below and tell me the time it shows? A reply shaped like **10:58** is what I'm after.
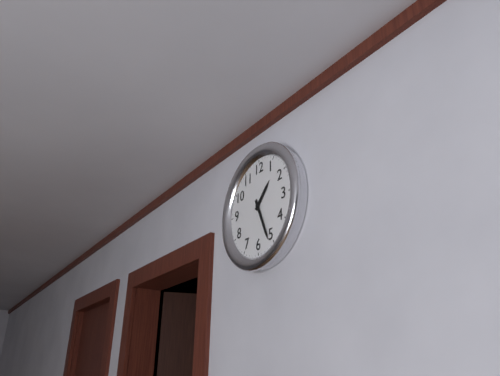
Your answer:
**1:26**
